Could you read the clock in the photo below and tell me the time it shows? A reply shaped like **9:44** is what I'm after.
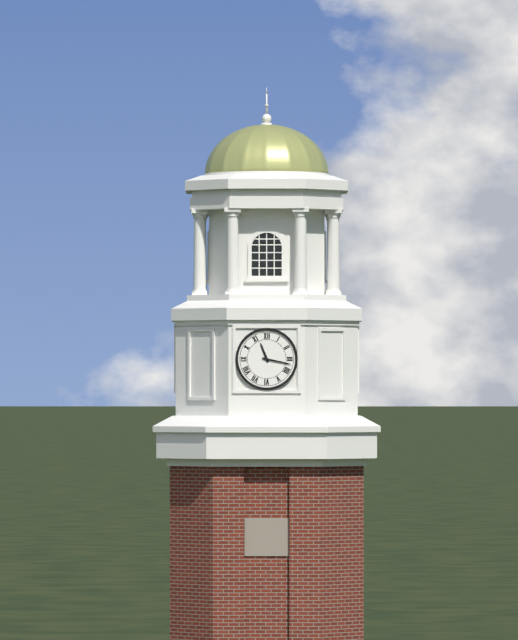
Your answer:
**11:17**
